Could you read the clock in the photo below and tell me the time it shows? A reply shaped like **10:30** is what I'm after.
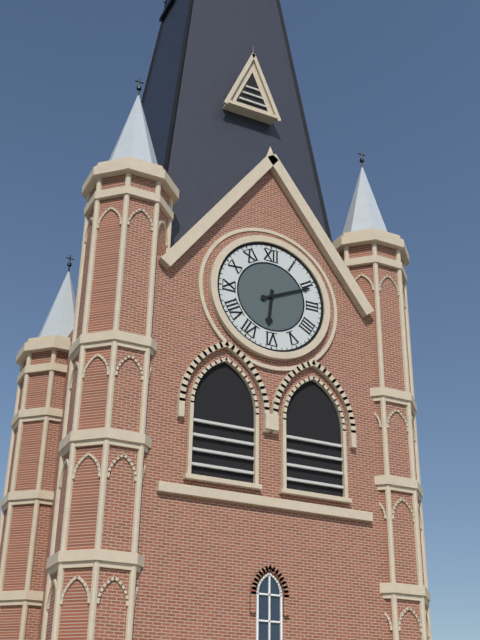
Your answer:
**6:11**
